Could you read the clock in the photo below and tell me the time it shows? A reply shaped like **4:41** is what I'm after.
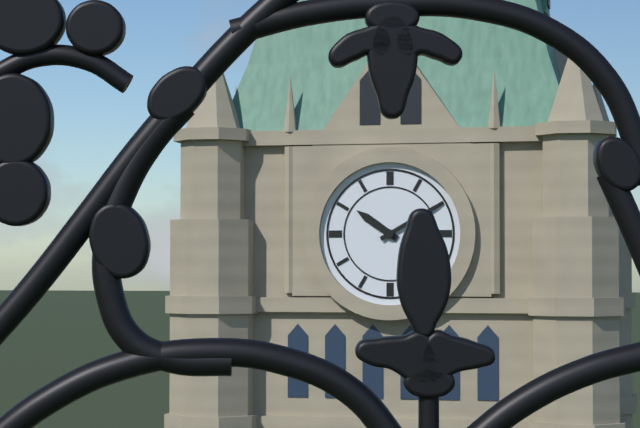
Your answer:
**10:10**
